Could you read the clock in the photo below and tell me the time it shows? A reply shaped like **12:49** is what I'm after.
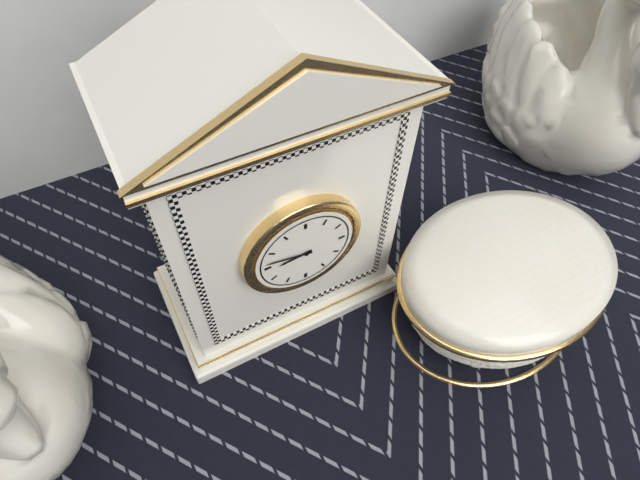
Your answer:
**8:47**
